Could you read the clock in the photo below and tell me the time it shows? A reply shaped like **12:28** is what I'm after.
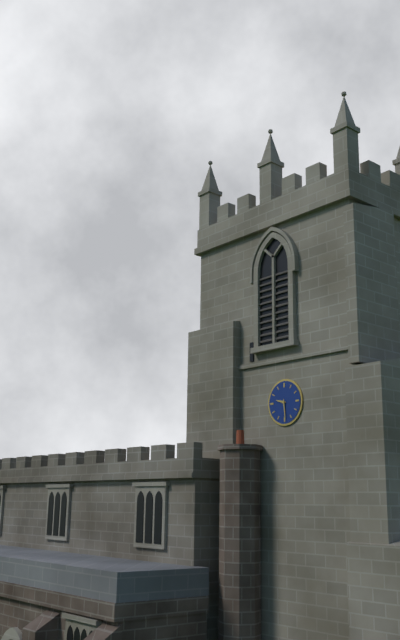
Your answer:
**9:29**
